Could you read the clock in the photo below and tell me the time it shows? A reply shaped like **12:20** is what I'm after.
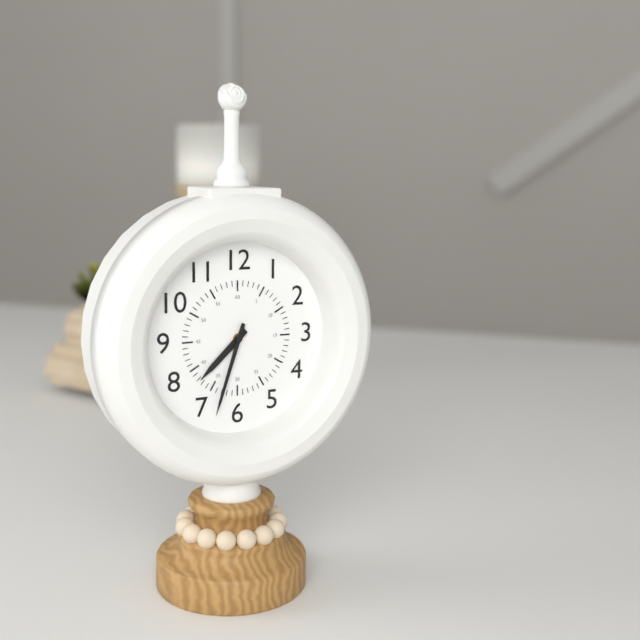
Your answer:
**7:33**
